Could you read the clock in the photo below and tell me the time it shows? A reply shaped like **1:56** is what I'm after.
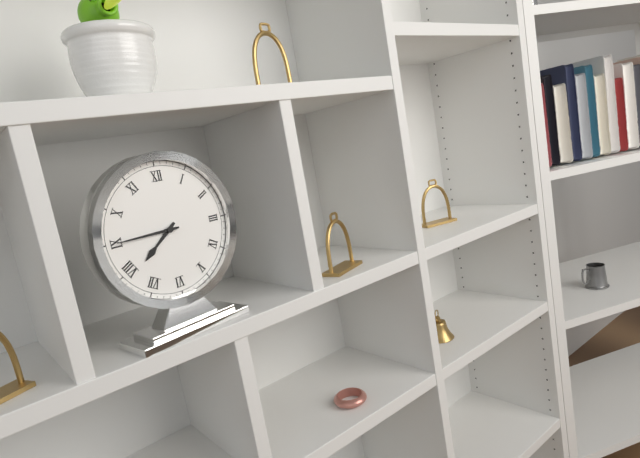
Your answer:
**7:45**
